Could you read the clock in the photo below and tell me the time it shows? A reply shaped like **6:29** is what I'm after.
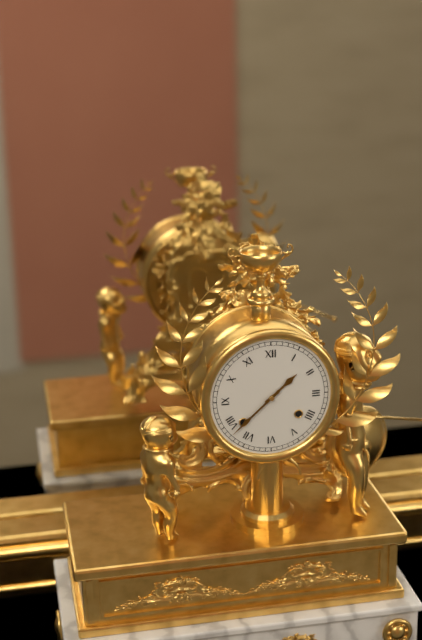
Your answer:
**1:38**
